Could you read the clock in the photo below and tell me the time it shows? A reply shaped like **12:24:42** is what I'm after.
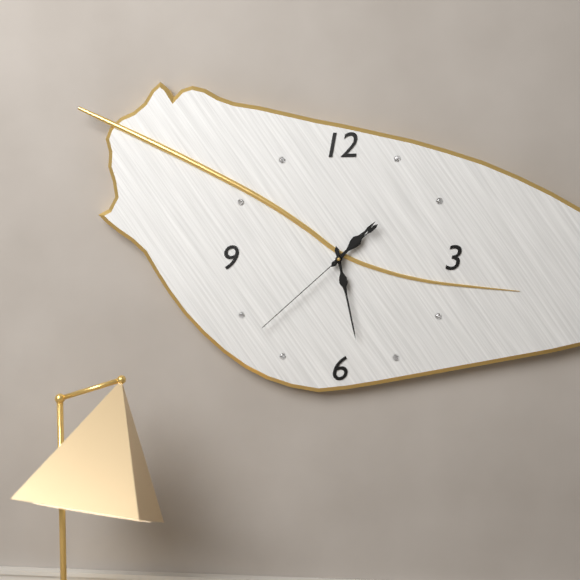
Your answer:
**1:28:38**
